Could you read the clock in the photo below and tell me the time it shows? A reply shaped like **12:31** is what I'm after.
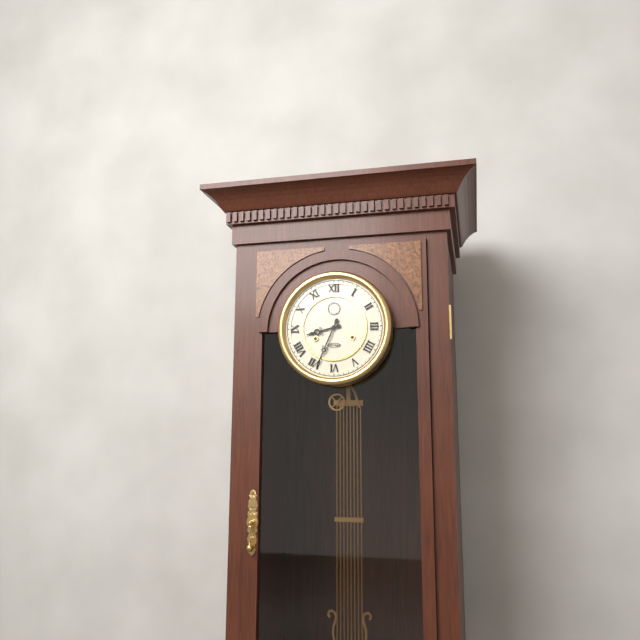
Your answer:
**8:34**
